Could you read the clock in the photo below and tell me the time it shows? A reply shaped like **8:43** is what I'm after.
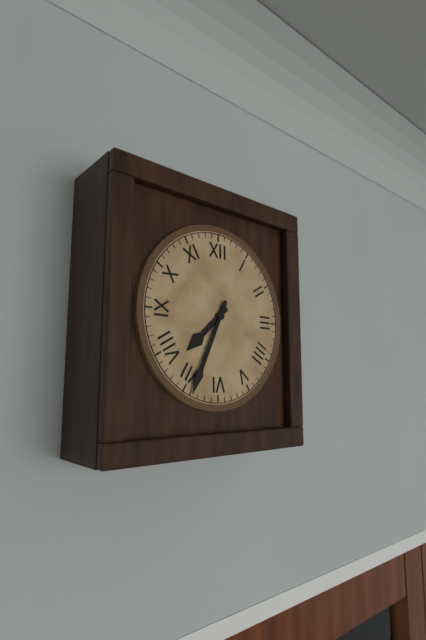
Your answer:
**7:34**
